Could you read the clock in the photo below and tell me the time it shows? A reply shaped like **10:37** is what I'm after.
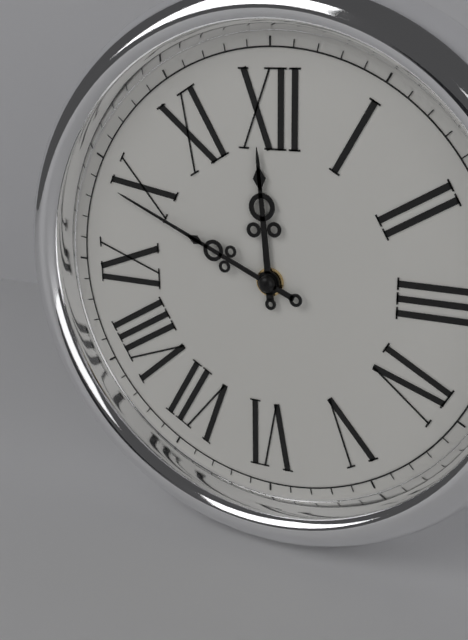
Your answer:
**11:49**
